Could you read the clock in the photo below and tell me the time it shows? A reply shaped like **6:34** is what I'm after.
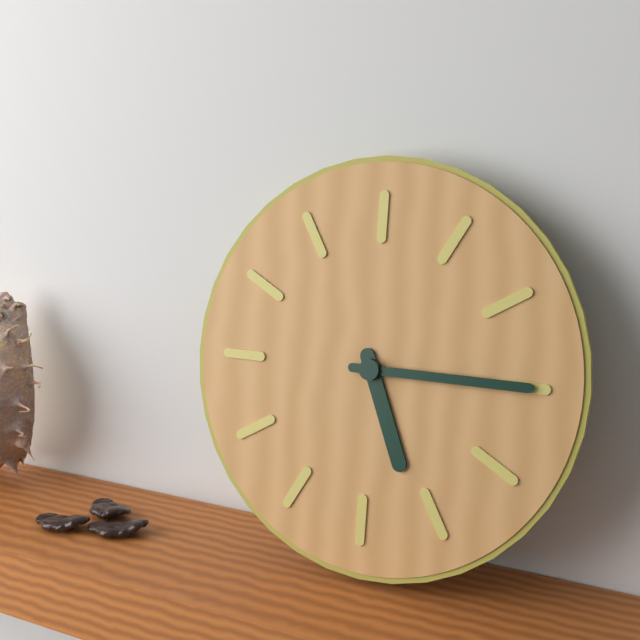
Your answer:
**5:15**
